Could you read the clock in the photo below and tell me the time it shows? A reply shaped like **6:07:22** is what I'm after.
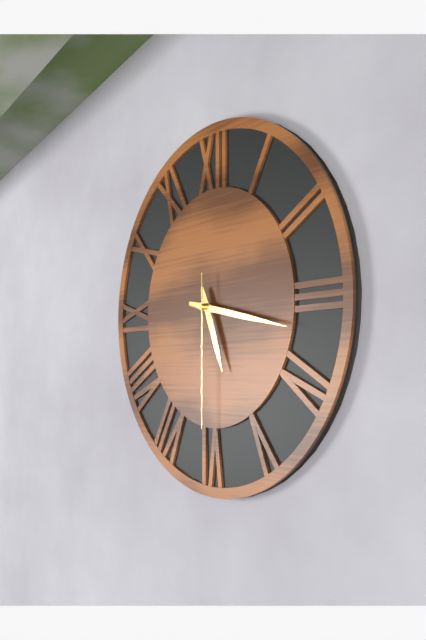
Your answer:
**5:17:30**
